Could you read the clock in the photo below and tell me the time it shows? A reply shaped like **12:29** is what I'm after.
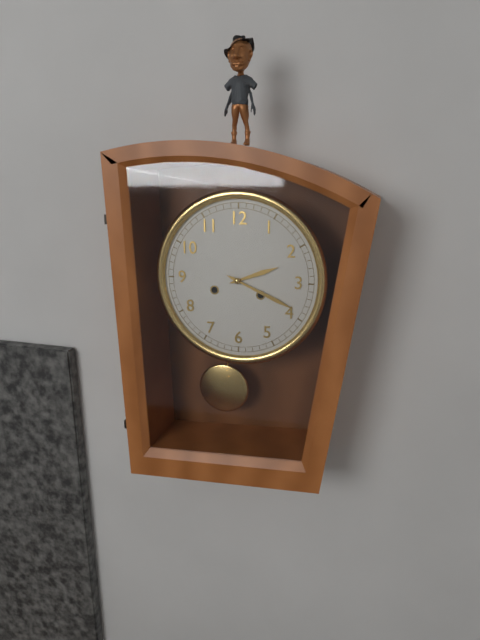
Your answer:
**2:19**
